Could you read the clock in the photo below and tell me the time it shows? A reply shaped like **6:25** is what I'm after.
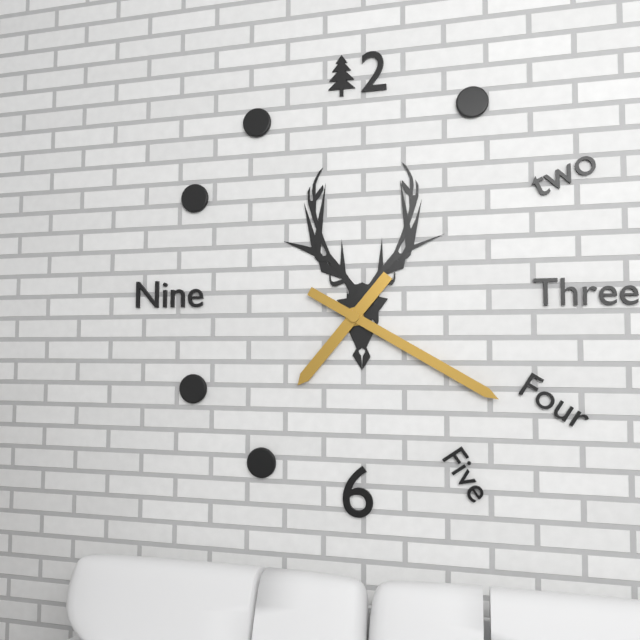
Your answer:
**7:20**
